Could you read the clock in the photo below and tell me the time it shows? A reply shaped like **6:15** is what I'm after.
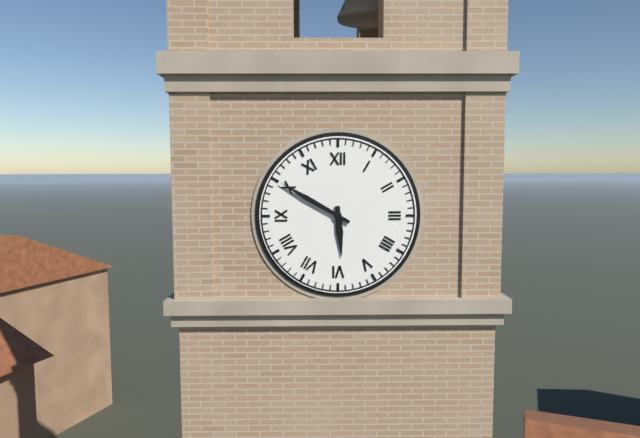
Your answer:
**5:50**
